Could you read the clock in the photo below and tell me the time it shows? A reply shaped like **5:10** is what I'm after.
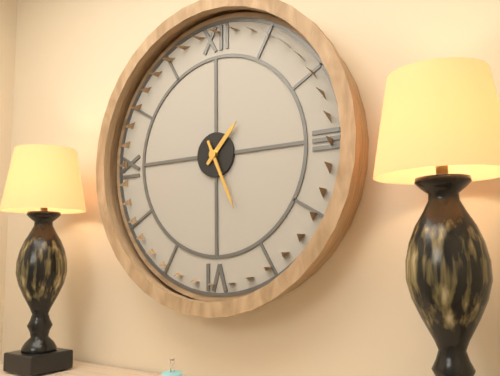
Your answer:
**1:26**
